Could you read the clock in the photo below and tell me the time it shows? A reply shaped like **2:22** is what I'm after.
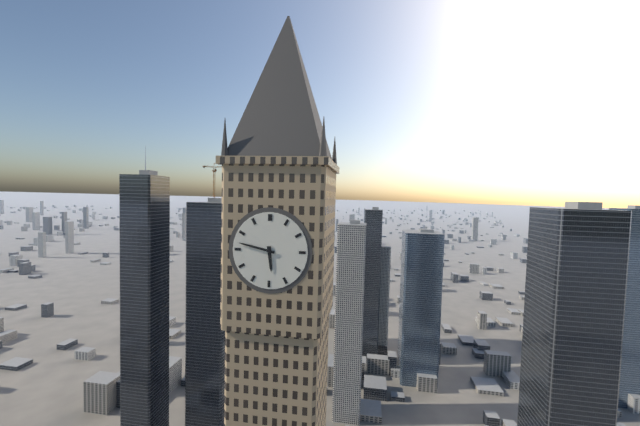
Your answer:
**5:47**
